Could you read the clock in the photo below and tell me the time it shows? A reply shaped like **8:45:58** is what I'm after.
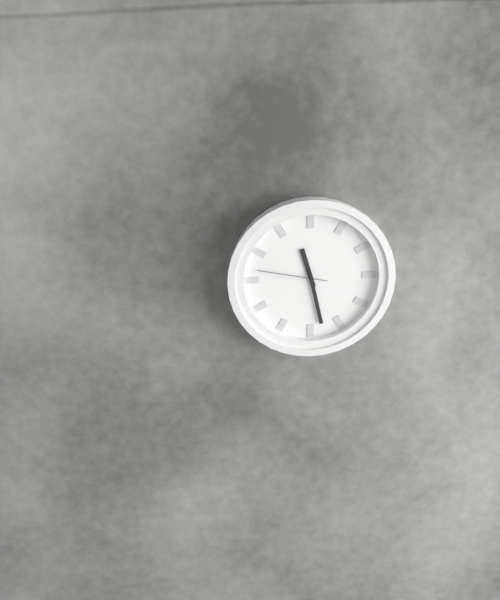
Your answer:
**11:28:47**
